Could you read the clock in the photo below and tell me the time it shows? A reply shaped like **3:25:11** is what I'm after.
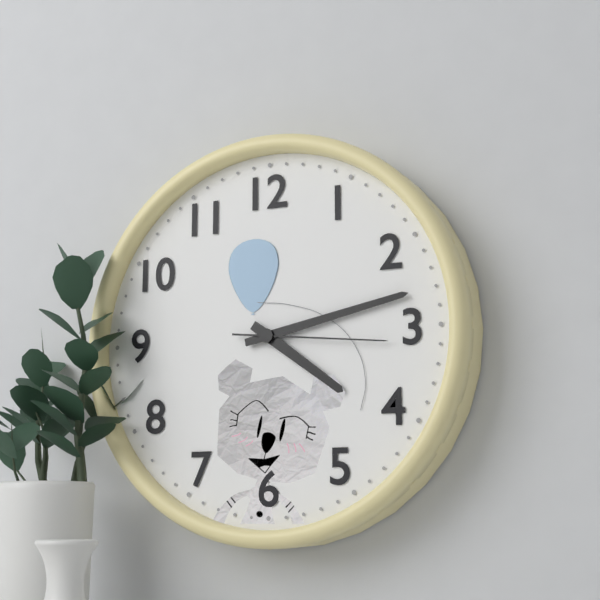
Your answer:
**4:13:16**
